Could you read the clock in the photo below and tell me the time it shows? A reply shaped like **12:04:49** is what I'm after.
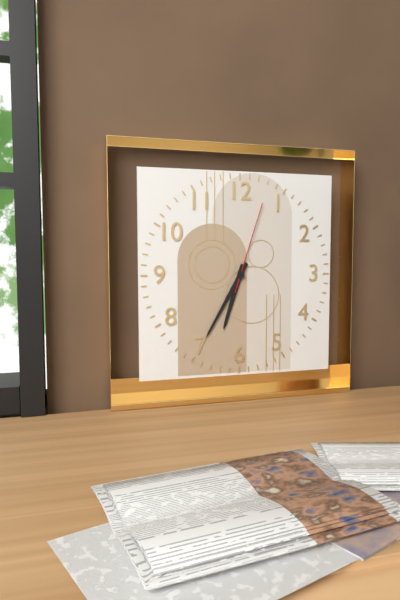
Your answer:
**6:35:03**
